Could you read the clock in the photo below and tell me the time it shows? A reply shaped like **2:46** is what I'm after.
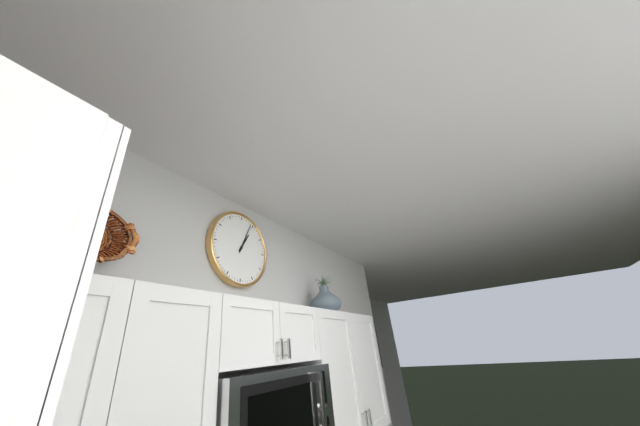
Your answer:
**1:04**
